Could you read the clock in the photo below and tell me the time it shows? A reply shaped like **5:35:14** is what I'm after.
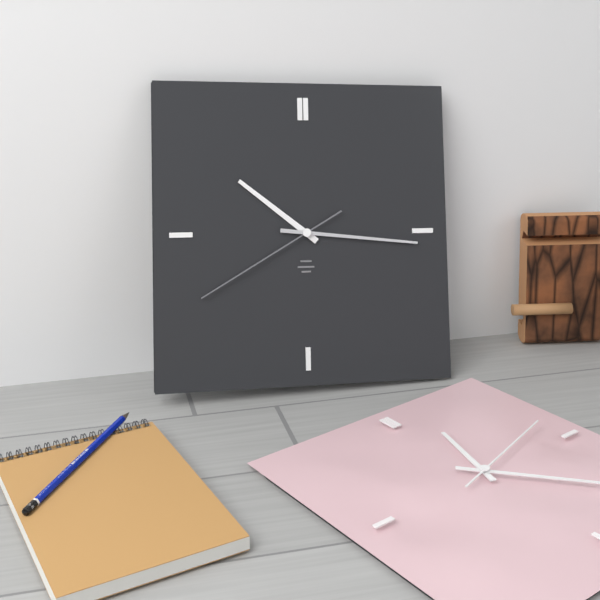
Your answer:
**10:16:40**
